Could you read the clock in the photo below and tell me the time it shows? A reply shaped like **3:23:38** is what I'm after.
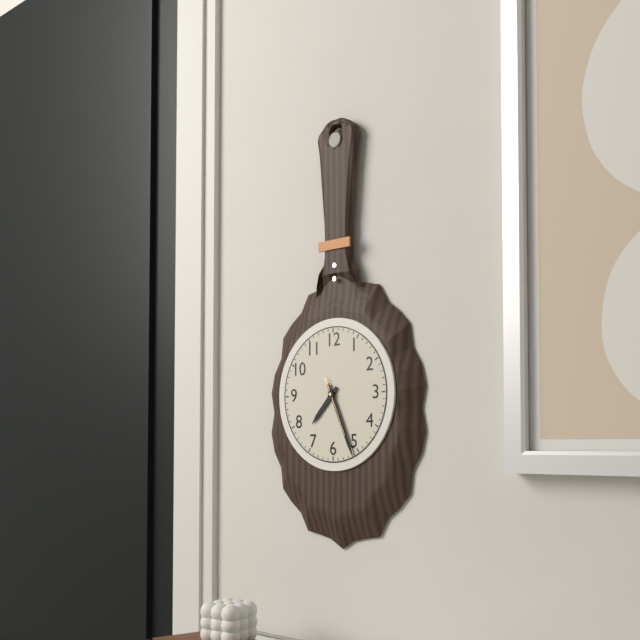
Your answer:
**7:26:26**
